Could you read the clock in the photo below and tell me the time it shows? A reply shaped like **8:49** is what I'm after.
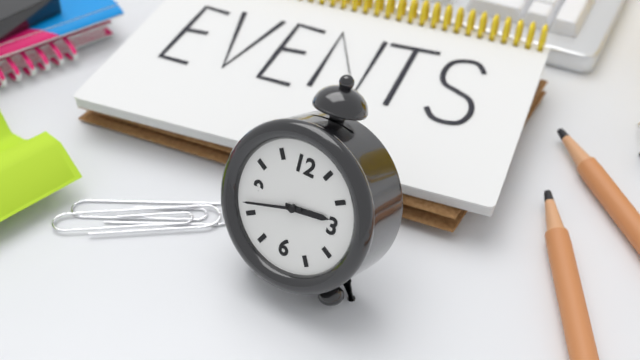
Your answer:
**2:42**
